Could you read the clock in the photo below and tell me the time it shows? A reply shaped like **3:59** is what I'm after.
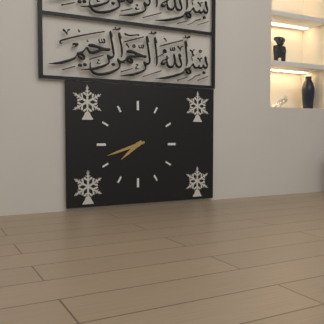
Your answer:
**7:42**
